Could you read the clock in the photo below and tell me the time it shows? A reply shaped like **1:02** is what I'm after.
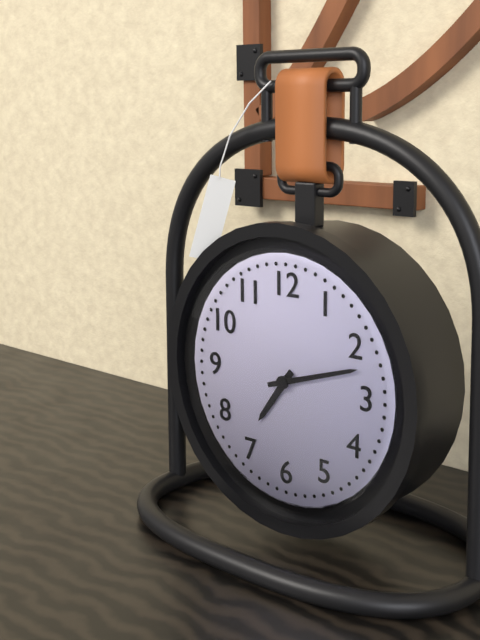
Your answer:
**7:12**
